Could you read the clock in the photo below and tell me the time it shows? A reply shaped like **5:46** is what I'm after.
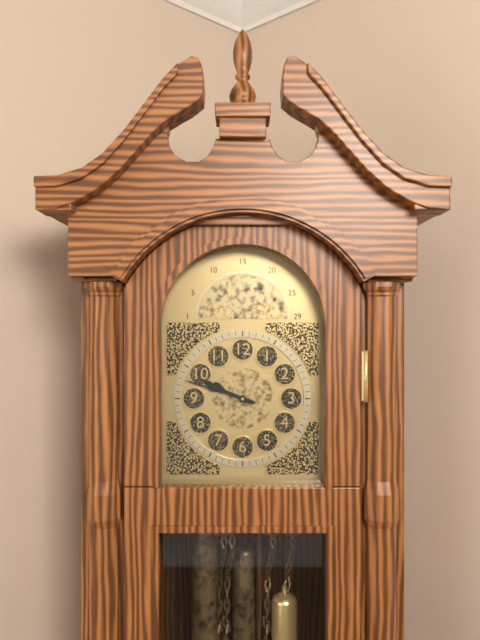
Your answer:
**9:48**
